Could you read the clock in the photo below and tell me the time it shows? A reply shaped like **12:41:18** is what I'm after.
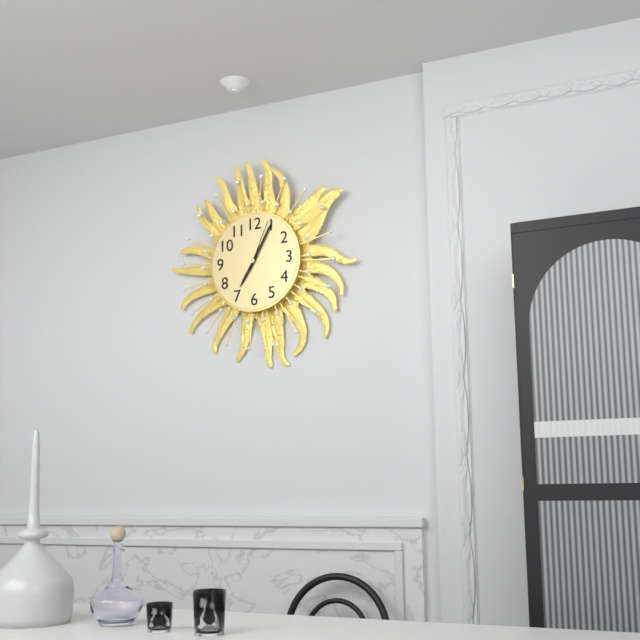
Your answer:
**7:05:04**
